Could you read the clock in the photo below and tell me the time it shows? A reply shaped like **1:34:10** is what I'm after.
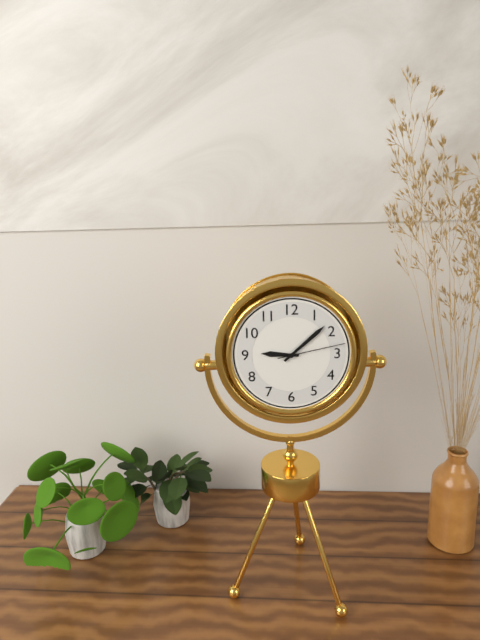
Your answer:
**9:08:13**
